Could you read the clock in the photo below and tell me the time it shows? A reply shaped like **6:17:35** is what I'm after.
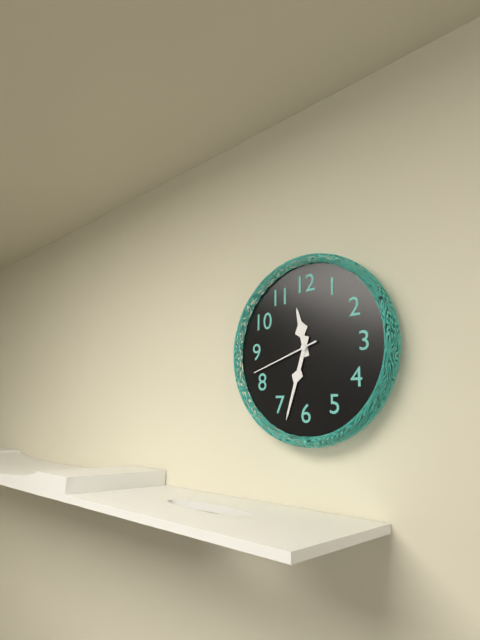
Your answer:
**11:33:42**
